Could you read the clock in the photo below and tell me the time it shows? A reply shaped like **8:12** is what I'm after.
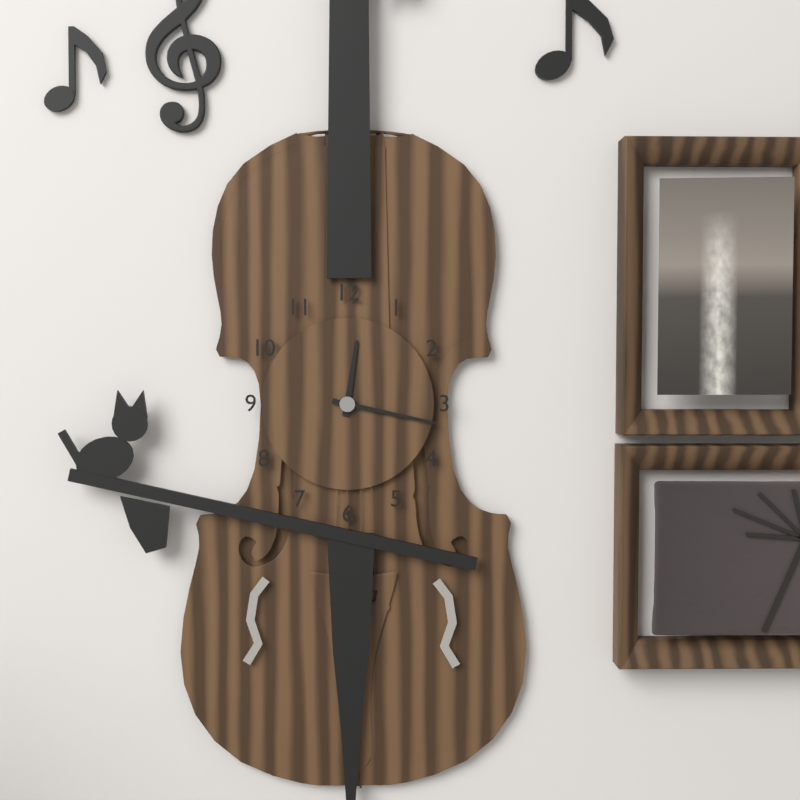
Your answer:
**12:17**
